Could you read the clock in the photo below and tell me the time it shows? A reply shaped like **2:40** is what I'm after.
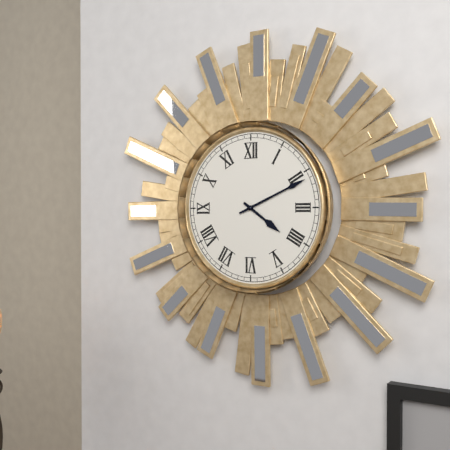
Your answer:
**4:11**
